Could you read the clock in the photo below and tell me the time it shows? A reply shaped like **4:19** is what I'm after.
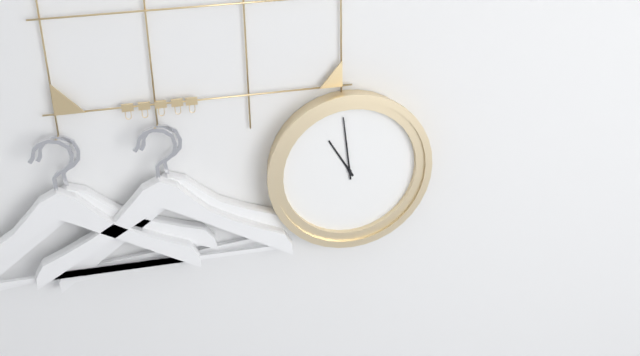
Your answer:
**10:59**
